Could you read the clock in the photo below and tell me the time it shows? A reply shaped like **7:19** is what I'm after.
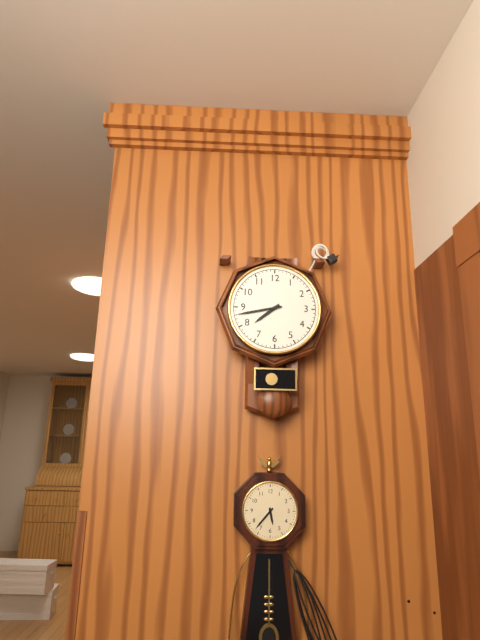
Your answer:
**7:43**
